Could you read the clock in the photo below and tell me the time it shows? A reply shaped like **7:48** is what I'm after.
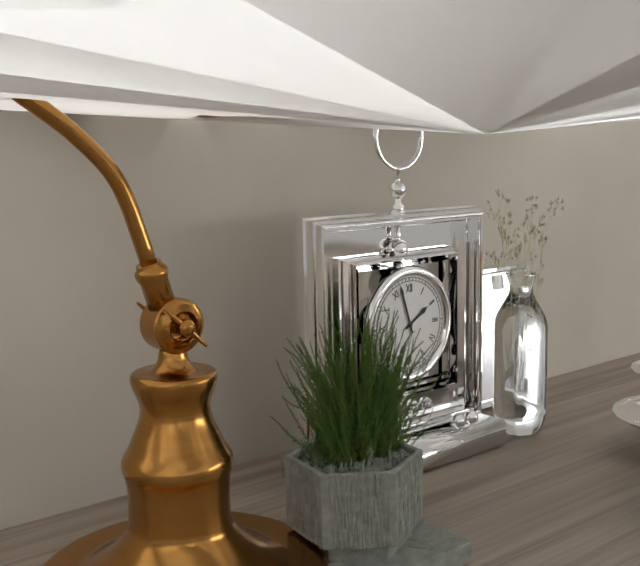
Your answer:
**1:57**
